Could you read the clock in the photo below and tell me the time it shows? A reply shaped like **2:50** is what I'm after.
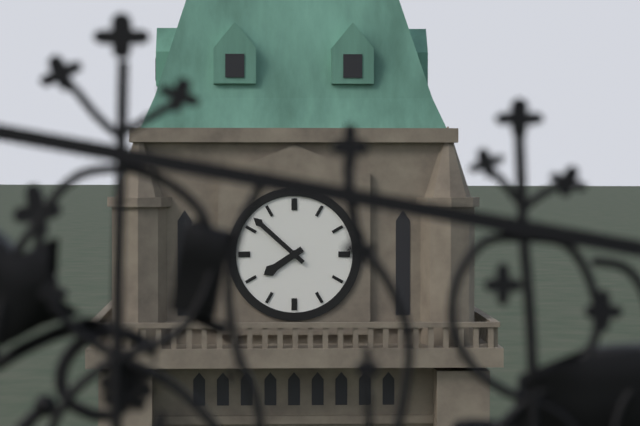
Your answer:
**7:52**
